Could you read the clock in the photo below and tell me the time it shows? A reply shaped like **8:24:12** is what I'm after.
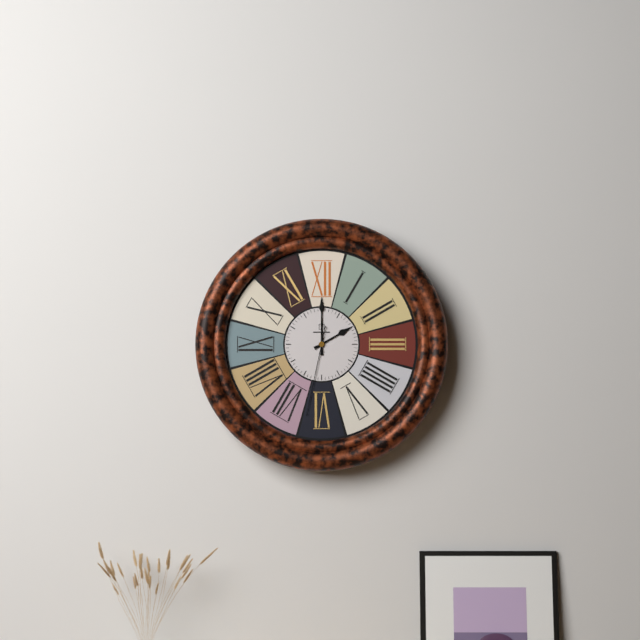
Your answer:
**2:00:32**
